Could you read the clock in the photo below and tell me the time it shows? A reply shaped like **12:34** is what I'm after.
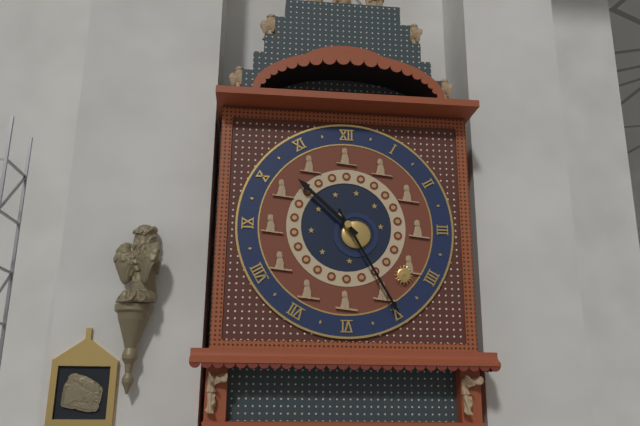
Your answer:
**10:25**
